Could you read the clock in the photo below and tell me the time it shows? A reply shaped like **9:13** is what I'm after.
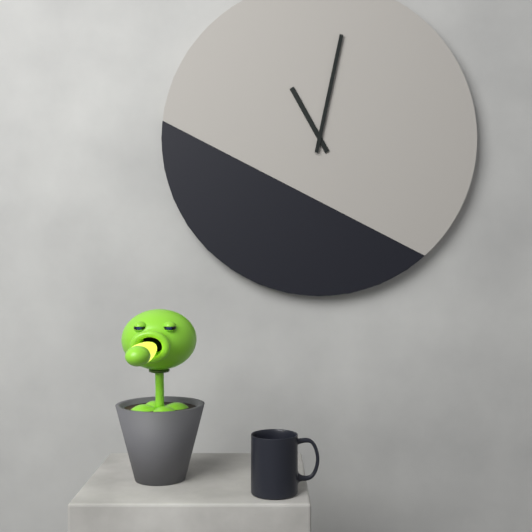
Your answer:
**11:02**
